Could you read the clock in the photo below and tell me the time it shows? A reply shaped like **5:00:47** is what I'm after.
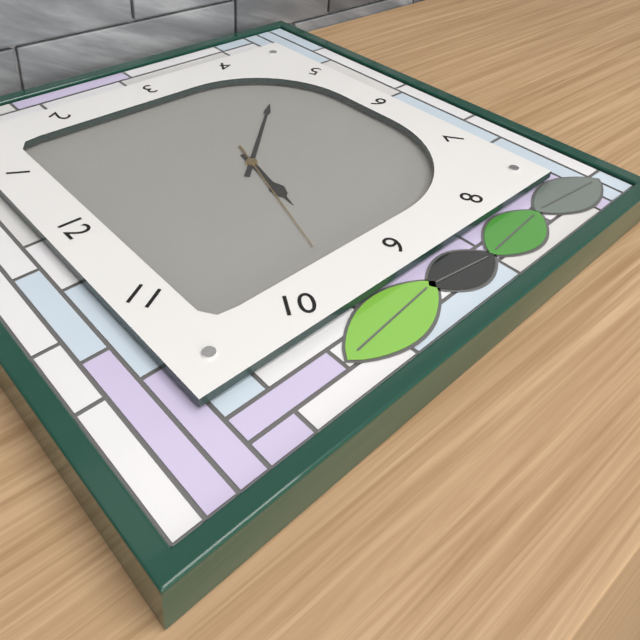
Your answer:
**9:23:48**
